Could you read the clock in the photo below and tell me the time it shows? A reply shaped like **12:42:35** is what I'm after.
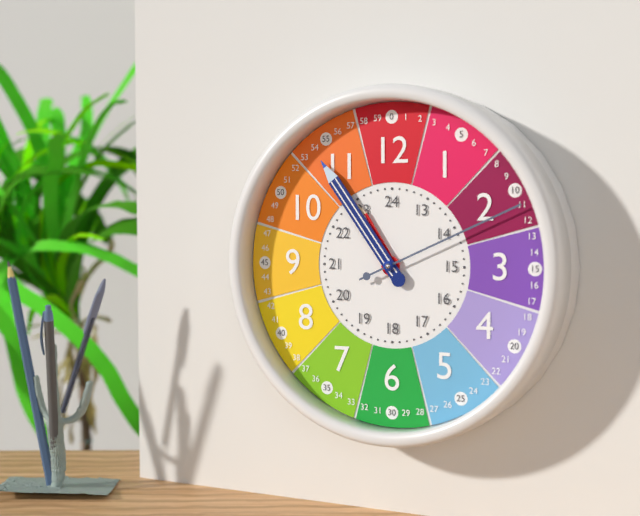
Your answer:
**10:54:11**
